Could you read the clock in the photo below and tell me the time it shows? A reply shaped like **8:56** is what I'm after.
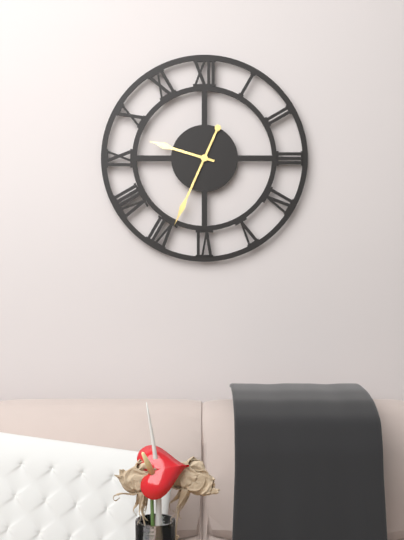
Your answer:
**9:34**
